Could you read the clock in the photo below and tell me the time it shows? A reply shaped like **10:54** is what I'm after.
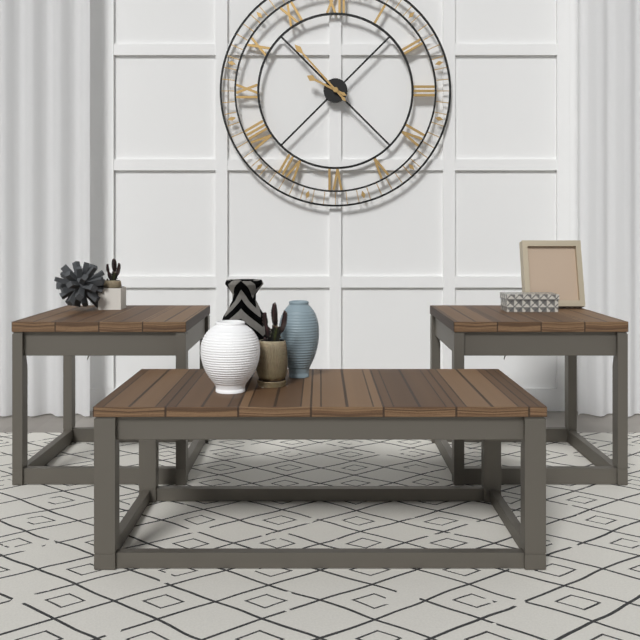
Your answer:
**9:53**
